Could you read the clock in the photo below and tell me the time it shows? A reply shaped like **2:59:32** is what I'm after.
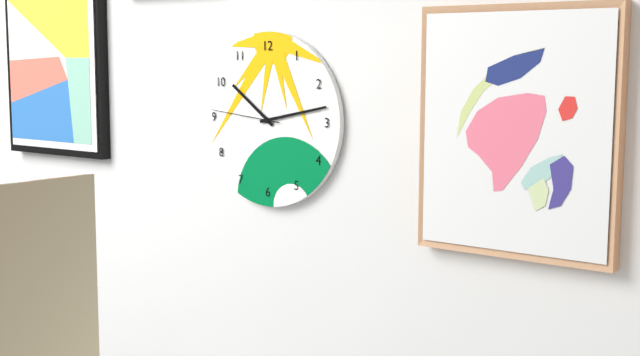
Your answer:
**10:13:46**
